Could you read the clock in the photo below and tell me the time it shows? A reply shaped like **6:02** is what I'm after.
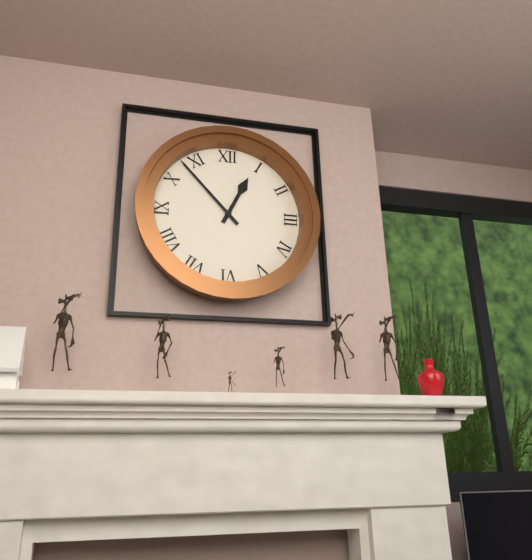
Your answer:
**12:53**
